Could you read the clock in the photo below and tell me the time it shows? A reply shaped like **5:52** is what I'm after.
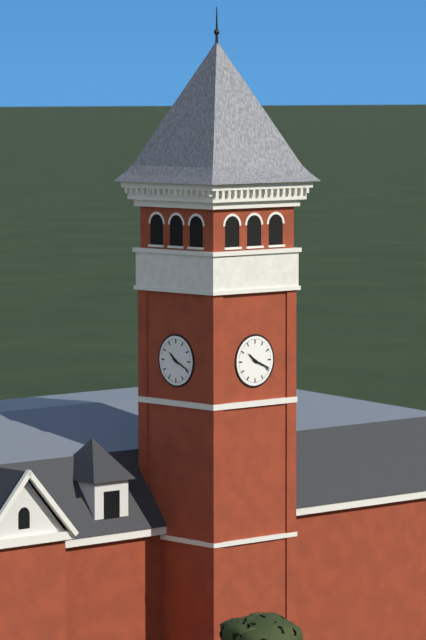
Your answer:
**10:19**
